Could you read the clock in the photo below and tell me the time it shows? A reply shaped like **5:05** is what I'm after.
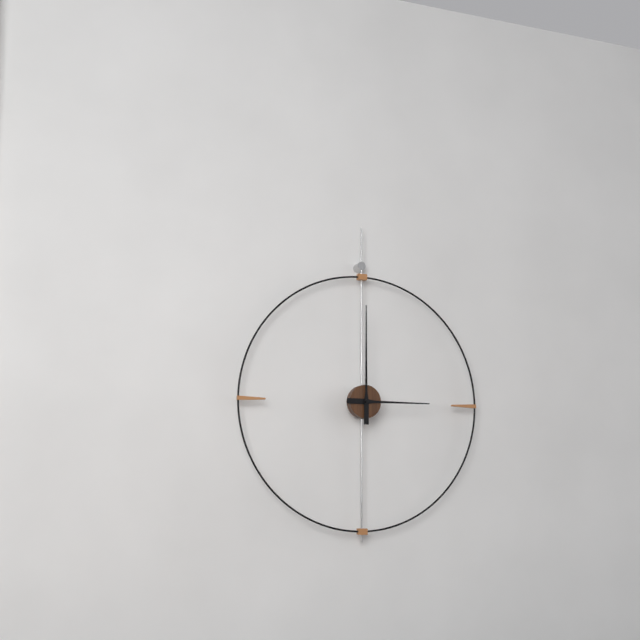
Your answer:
**3:00**
